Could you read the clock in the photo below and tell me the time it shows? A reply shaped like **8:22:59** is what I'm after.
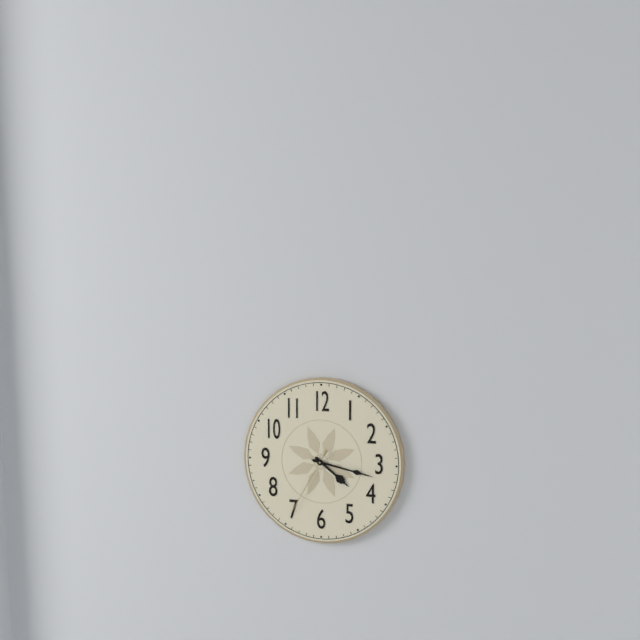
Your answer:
**4:17:35**
